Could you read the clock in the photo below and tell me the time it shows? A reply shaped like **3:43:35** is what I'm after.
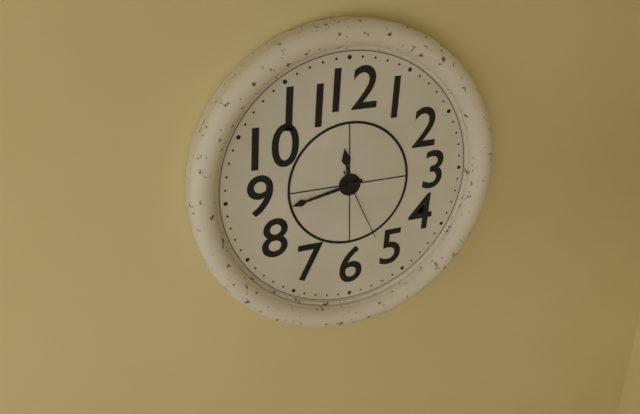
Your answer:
**11:43:26**
